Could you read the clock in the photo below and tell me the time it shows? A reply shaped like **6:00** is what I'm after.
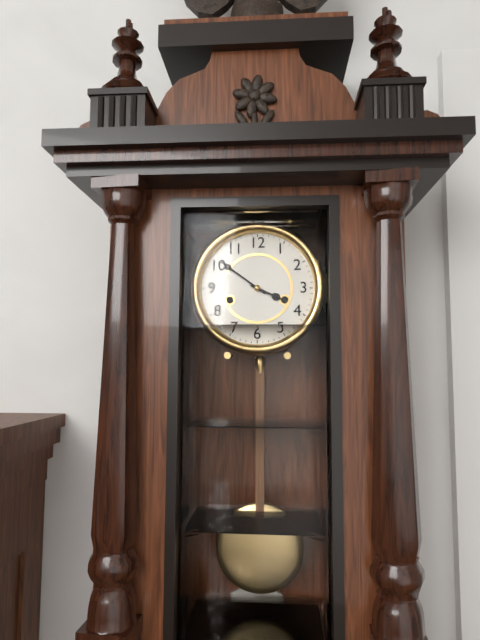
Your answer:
**3:51**
